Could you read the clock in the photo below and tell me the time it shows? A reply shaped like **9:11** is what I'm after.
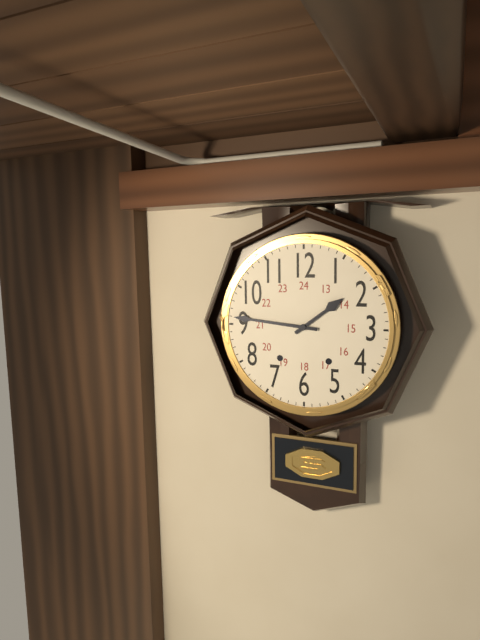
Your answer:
**1:46**
